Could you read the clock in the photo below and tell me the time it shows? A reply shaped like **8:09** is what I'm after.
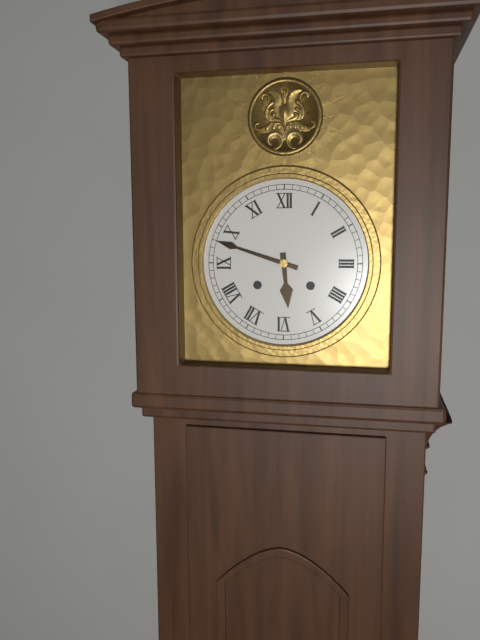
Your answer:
**5:48**
